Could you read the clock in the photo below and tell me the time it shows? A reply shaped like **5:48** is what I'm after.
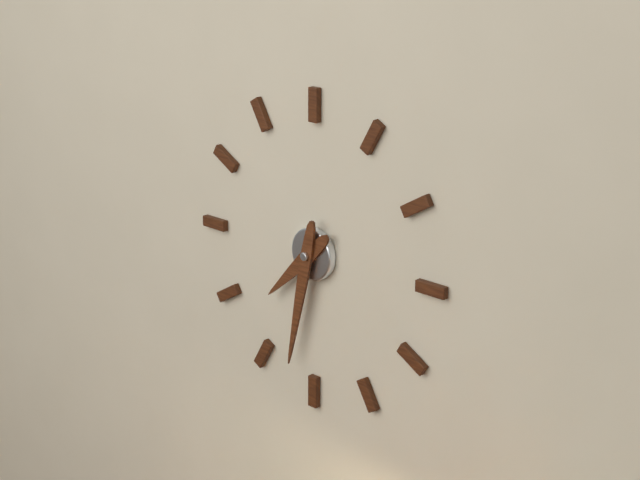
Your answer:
**7:32**
